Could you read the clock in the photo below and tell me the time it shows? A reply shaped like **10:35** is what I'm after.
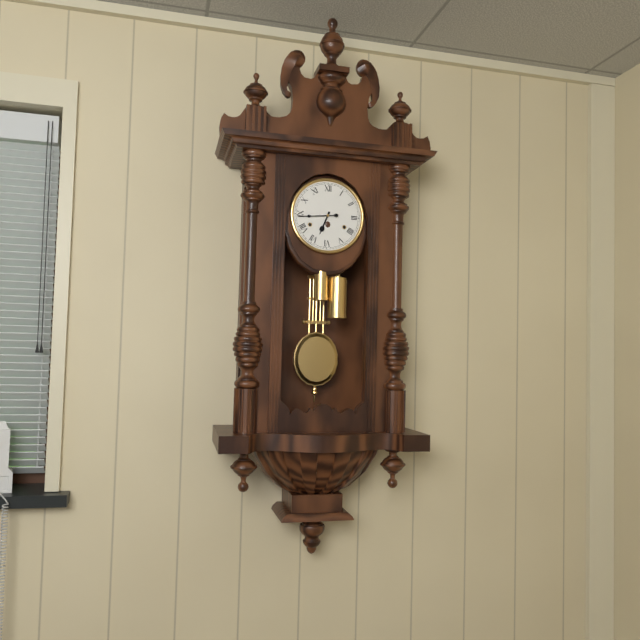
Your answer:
**6:44**
